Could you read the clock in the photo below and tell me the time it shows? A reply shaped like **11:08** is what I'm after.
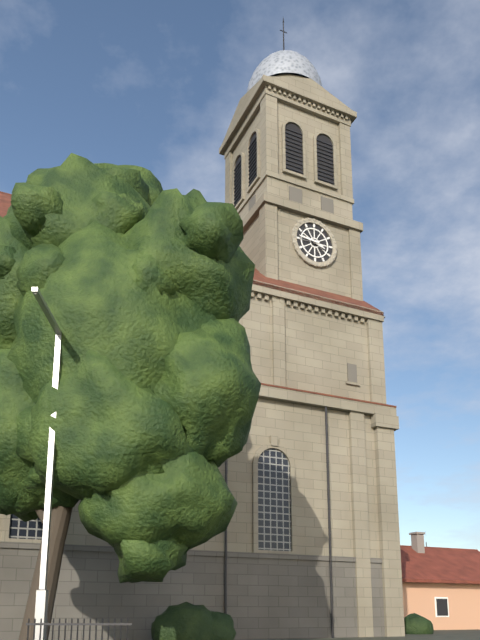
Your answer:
**3:46**
